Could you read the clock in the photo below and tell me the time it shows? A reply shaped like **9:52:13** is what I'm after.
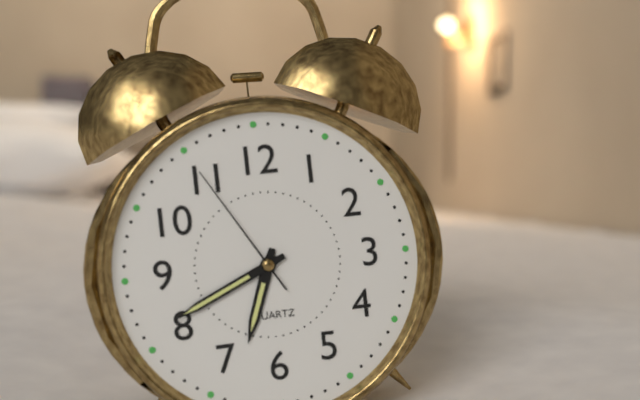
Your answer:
**6:41:55**
